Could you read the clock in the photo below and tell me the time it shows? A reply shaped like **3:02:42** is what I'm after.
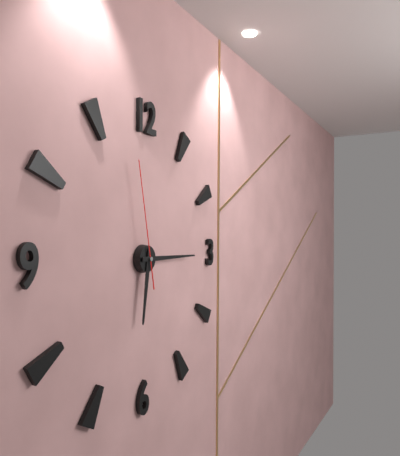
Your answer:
**6:15:58**
